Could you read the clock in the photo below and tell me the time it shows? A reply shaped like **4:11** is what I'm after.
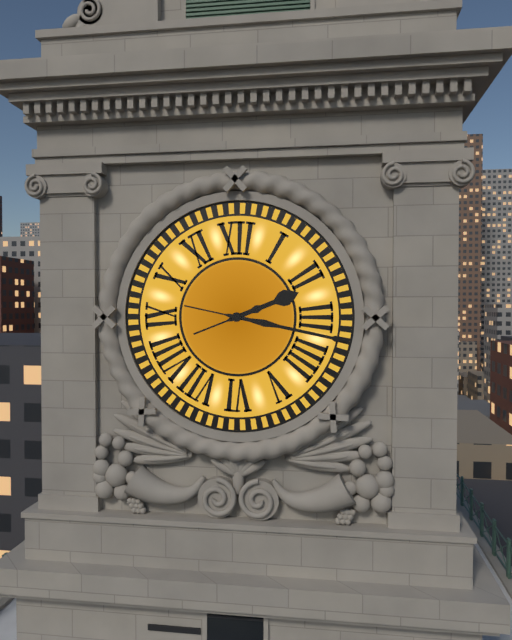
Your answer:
**2:17**
